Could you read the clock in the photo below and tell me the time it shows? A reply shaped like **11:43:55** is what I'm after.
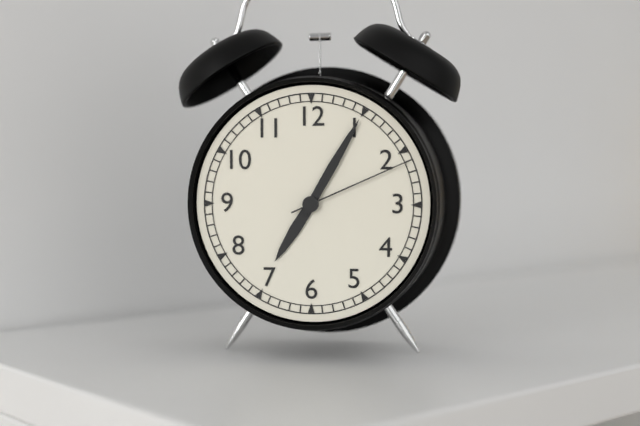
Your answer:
**7:05:11**
